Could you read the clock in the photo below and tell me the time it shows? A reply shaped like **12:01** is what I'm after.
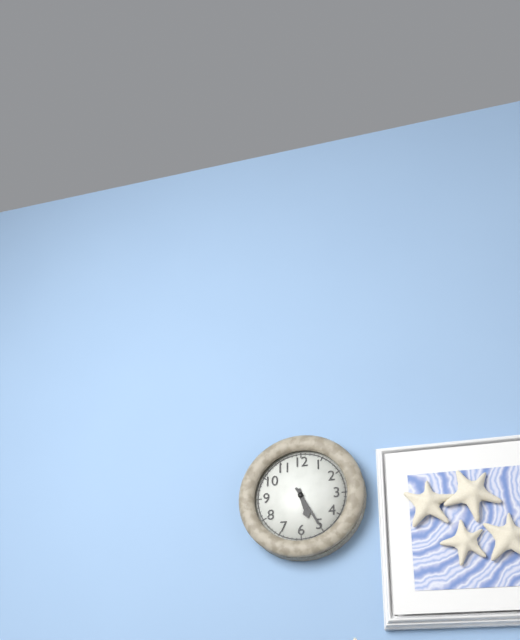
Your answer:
**5:25**
